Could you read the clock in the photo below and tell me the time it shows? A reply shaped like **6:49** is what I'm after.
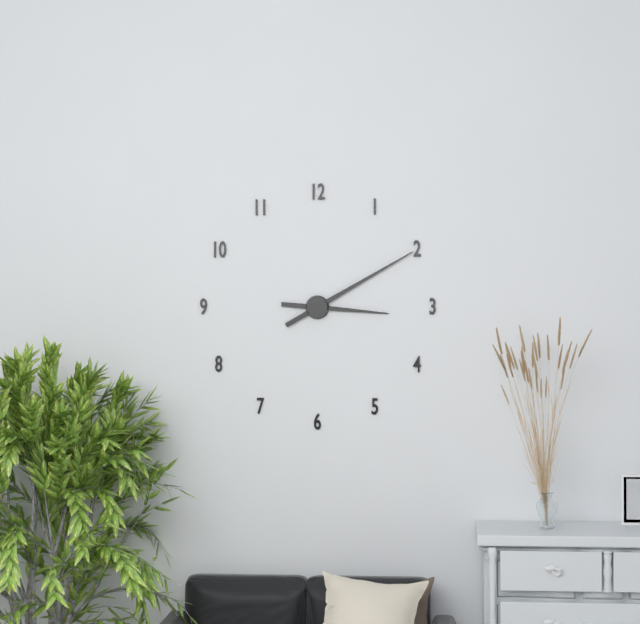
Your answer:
**3:10**
